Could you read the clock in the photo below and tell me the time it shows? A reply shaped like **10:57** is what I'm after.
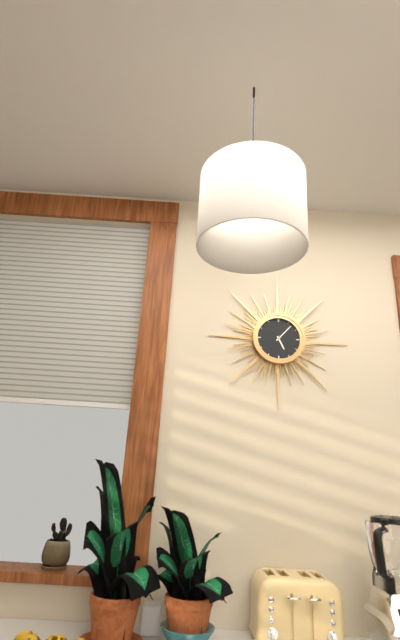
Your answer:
**5:07**
